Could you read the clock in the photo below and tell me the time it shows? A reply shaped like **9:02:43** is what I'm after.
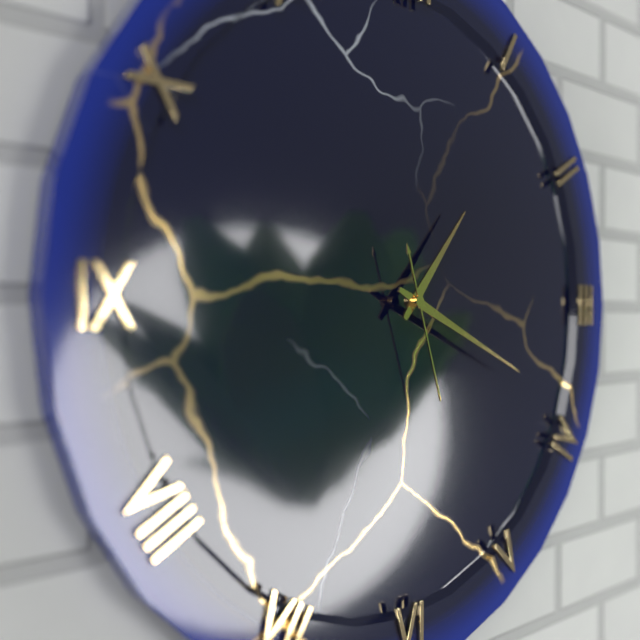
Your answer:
**1:19:27**
